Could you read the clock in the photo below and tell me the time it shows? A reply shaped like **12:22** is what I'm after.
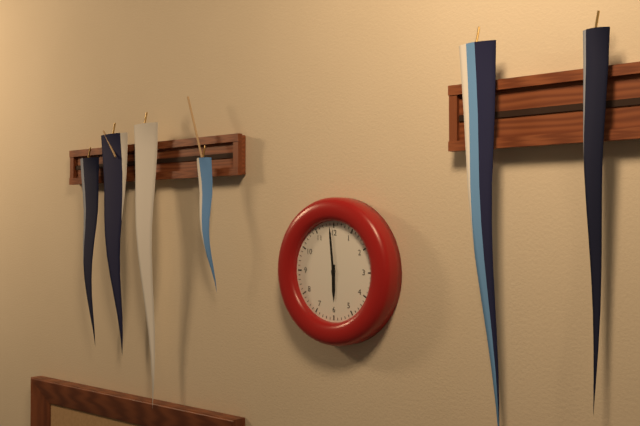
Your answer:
**5:59**
